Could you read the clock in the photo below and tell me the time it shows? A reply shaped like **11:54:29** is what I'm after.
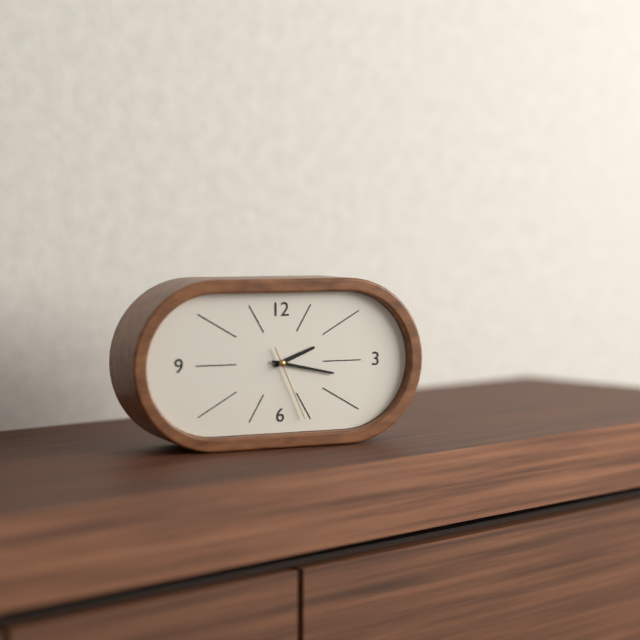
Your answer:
**2:17:26**
